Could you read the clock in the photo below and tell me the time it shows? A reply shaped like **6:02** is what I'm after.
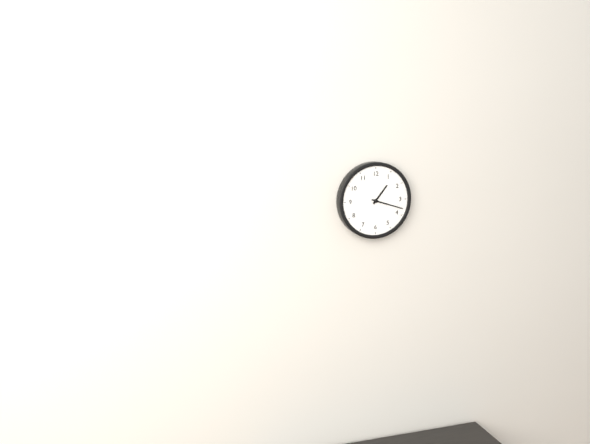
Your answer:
**1:18**
